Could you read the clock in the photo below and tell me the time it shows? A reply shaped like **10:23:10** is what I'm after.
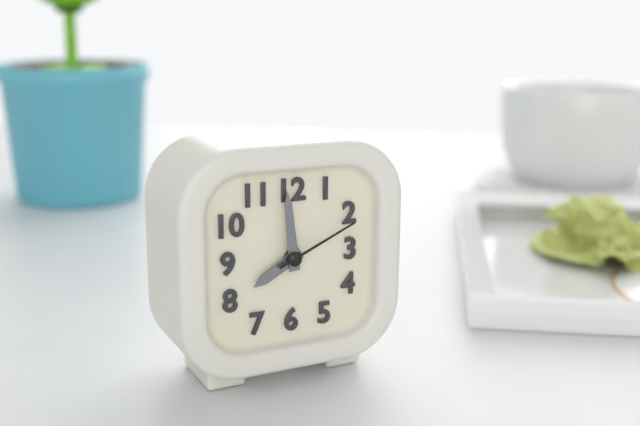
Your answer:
**7:59:11**
